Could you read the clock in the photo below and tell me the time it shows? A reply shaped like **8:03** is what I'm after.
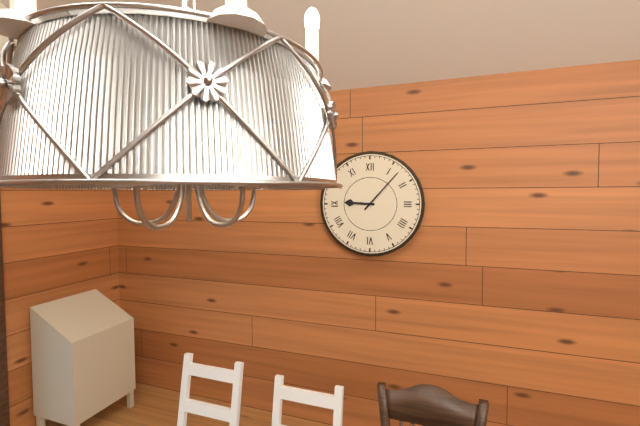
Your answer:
**9:07**
